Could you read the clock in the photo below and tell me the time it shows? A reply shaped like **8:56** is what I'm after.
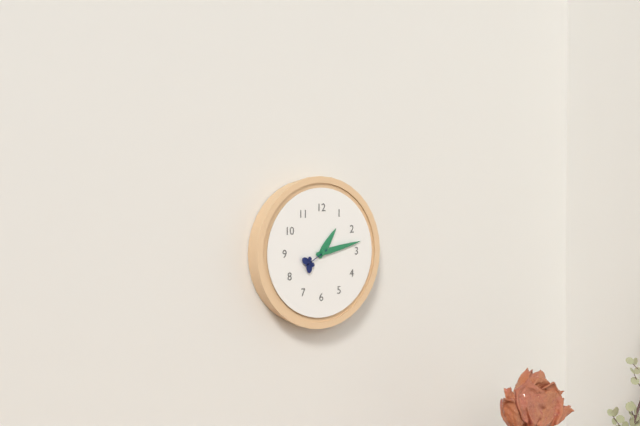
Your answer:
**1:13**
